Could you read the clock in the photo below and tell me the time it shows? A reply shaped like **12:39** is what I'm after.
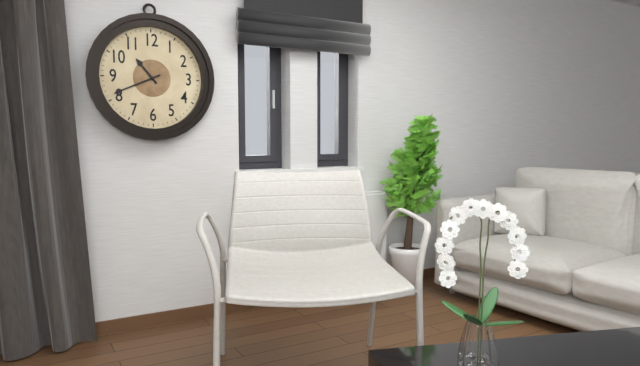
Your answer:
**10:41**
